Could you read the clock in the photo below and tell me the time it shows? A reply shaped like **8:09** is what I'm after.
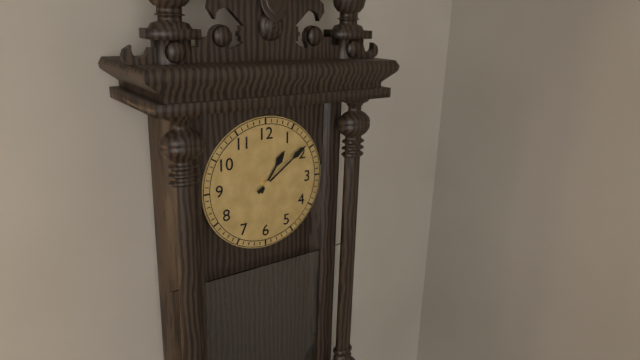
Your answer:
**1:09**
